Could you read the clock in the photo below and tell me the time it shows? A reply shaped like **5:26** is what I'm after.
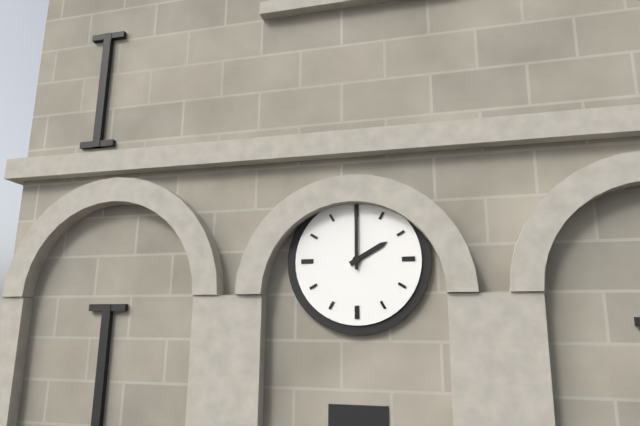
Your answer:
**2:00**
